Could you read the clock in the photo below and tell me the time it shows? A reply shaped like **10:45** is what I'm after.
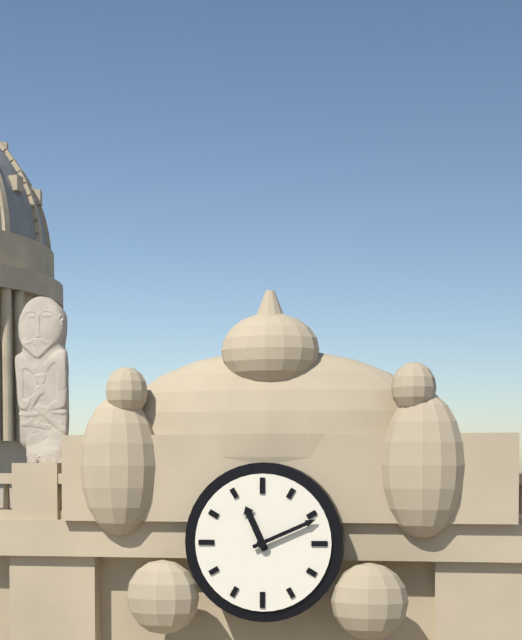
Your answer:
**11:11**
